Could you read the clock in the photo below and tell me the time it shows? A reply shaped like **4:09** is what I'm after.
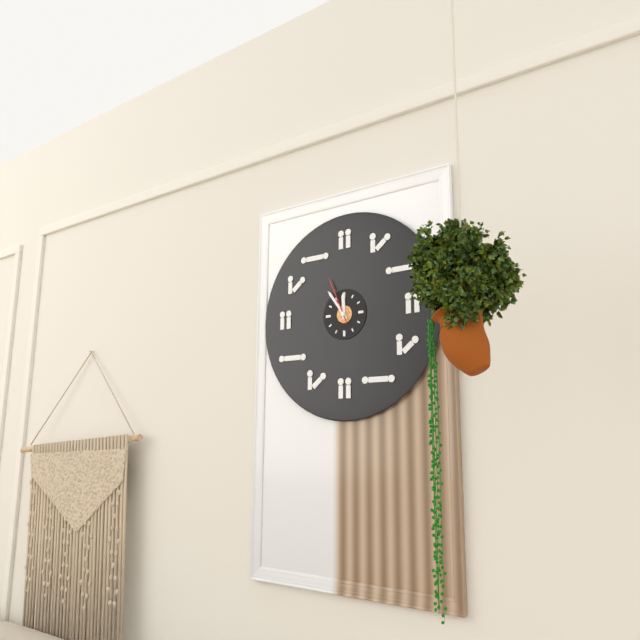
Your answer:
**11:54**
